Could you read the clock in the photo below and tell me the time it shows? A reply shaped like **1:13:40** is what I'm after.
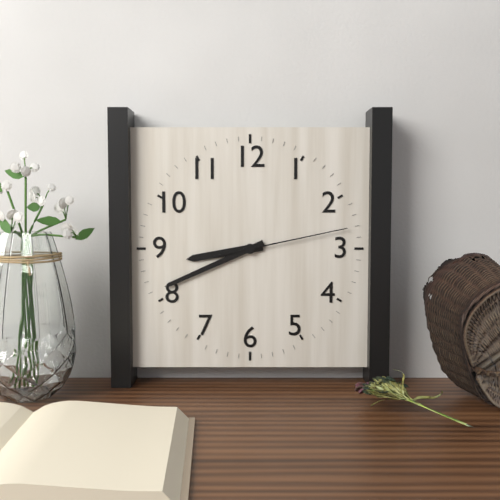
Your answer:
**8:41:13**
